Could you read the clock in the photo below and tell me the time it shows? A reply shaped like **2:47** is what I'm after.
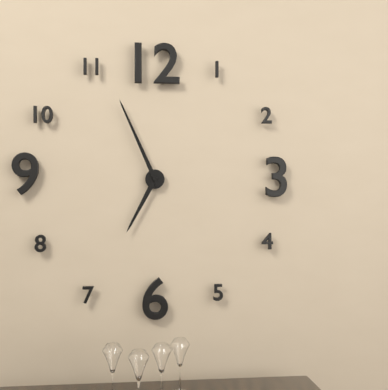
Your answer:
**6:56**
